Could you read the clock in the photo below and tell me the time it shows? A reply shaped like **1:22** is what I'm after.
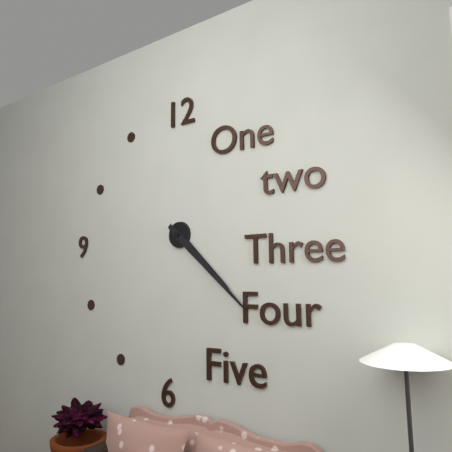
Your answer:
**4:22**
